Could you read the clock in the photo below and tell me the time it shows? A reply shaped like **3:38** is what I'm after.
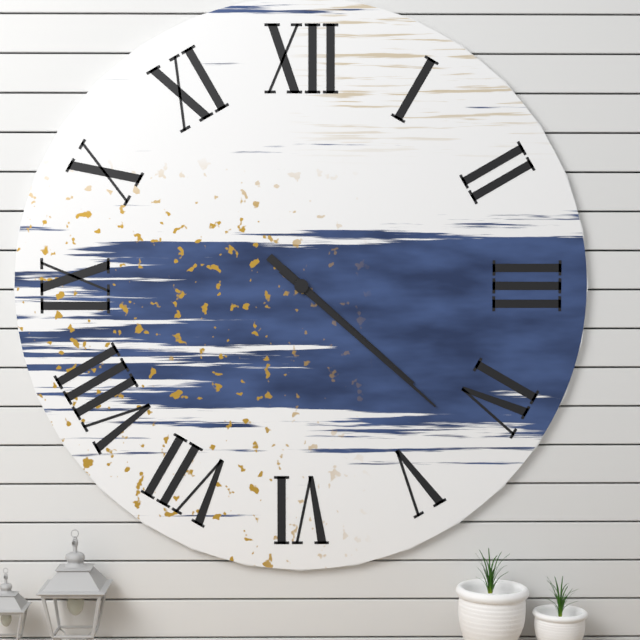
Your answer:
**4:22**
